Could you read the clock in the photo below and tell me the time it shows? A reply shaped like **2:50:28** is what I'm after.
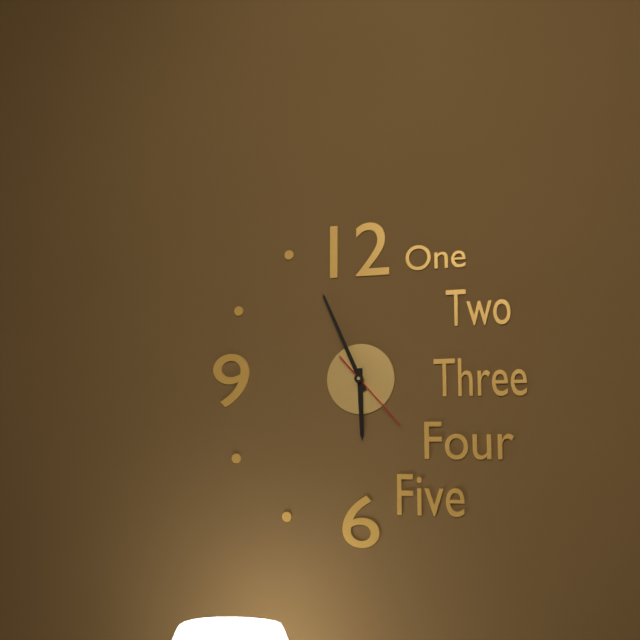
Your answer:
**5:56:23**
